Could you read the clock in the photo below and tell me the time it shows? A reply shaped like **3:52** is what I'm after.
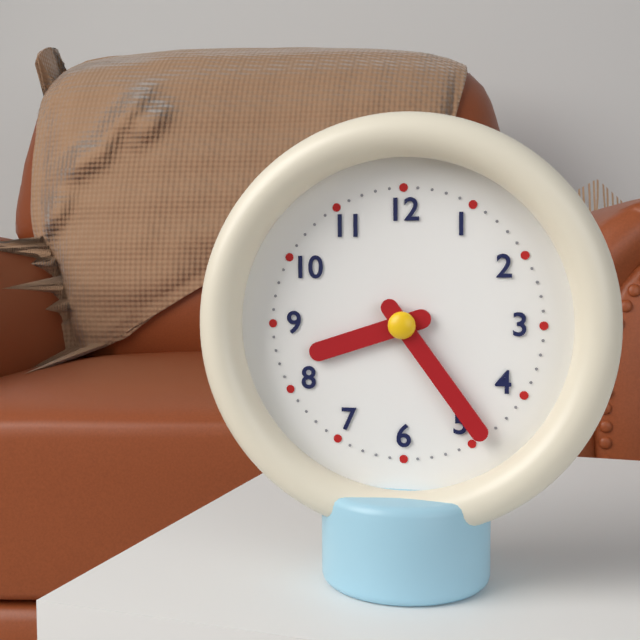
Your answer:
**8:24**
